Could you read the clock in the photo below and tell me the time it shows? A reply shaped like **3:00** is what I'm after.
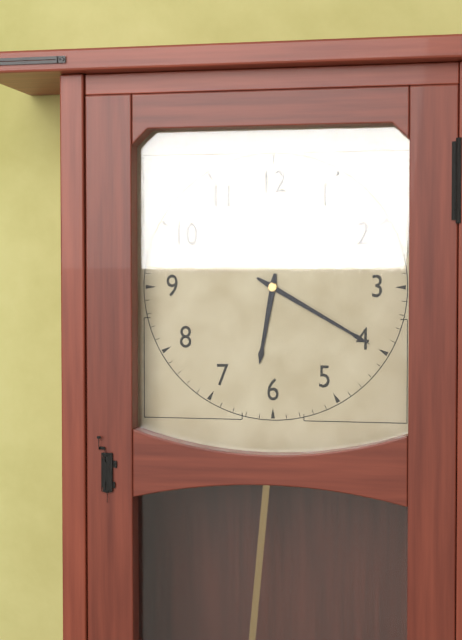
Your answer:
**6:20**
